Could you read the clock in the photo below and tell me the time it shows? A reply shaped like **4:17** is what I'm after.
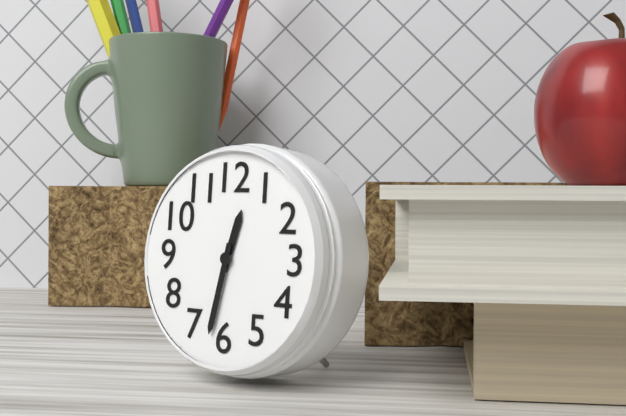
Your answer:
**12:32**
